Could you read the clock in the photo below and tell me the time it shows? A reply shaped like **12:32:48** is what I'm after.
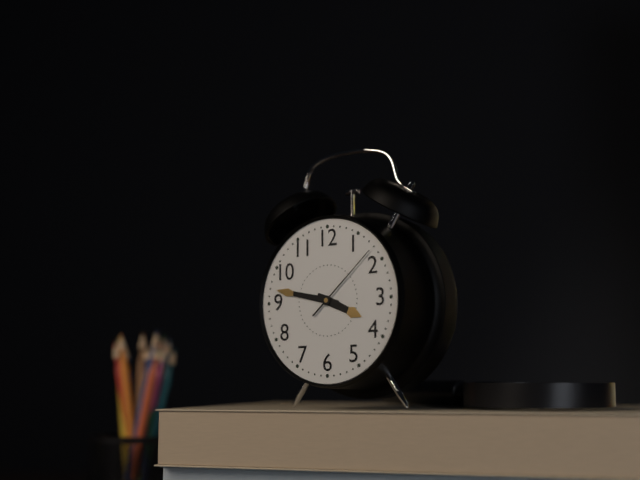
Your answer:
**3:47:08**
